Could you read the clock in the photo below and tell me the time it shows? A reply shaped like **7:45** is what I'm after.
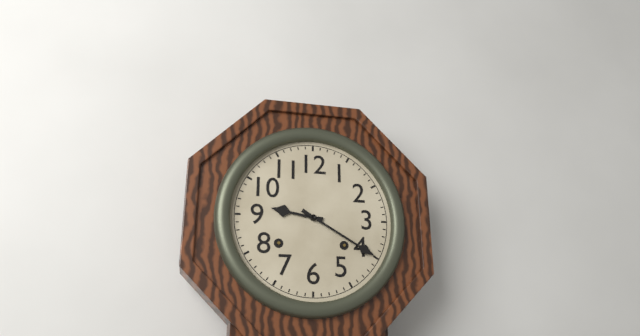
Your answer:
**9:20**
